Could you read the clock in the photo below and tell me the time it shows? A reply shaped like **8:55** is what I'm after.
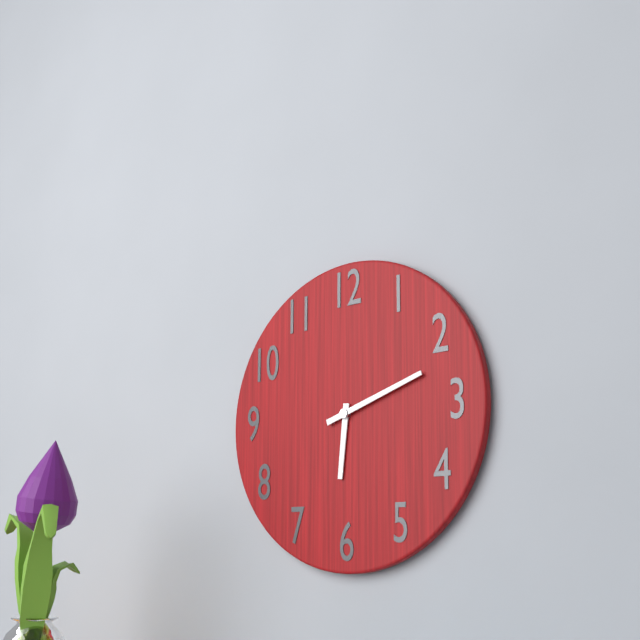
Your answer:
**6:12**
